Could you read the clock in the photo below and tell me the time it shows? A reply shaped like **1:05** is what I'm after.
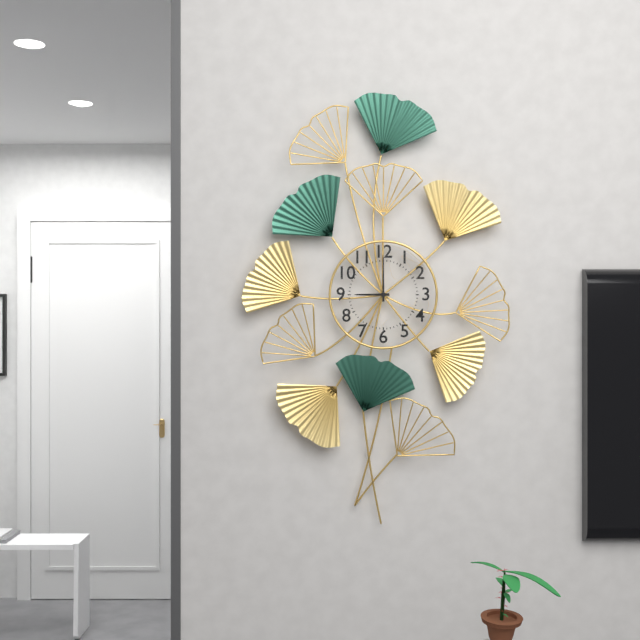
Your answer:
**9:00**
